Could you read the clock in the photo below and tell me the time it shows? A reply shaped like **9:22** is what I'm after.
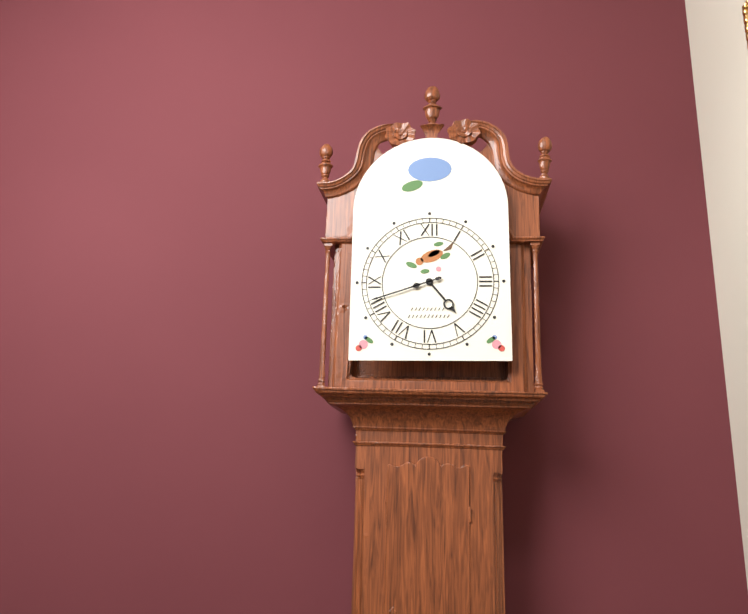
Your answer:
**4:42**
